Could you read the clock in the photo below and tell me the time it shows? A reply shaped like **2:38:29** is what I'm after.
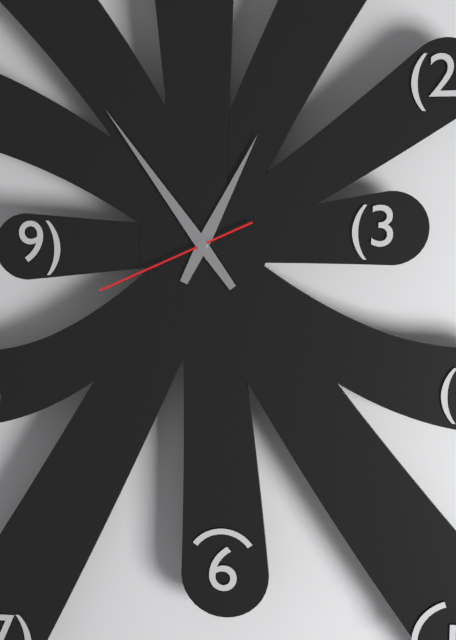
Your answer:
**12:54:41**
